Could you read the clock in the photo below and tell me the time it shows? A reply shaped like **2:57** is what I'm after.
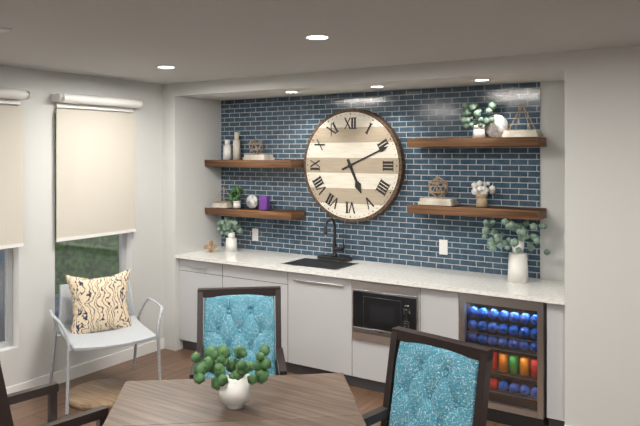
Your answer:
**5:11**
